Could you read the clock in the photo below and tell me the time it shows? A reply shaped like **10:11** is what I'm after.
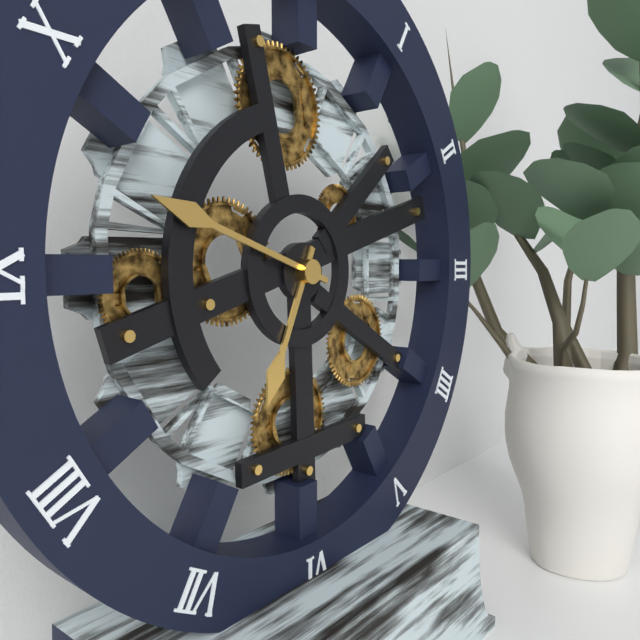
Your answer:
**6:48**
